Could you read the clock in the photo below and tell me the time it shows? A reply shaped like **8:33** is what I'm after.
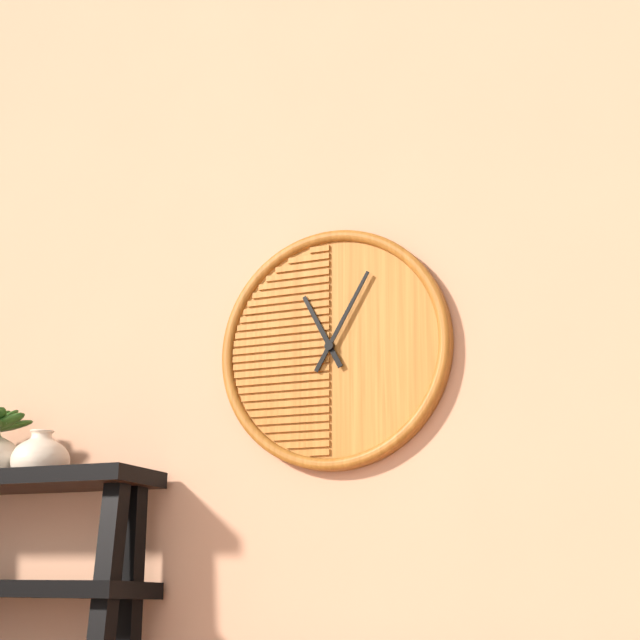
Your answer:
**11:05**
